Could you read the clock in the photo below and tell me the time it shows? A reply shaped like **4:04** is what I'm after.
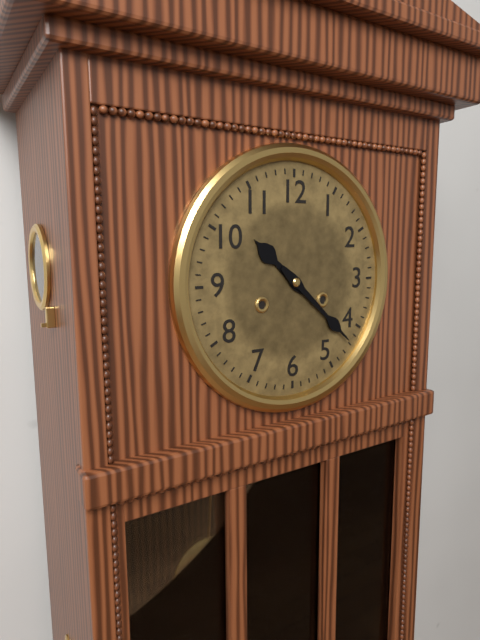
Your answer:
**10:22**
